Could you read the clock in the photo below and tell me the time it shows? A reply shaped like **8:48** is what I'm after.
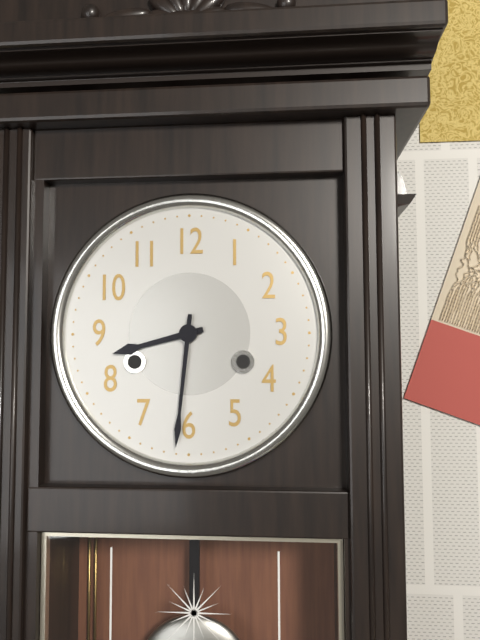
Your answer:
**8:31**
